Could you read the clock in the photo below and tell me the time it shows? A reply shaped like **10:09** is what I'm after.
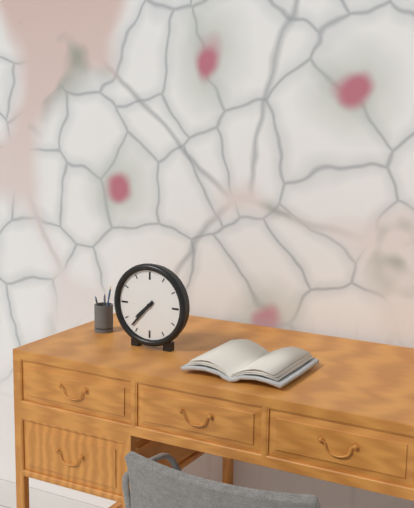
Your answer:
**7:37**
